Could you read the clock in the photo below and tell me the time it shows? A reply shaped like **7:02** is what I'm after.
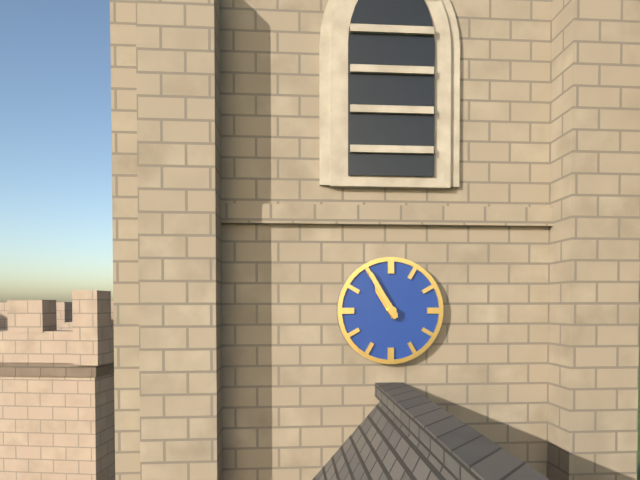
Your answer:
**10:55**
